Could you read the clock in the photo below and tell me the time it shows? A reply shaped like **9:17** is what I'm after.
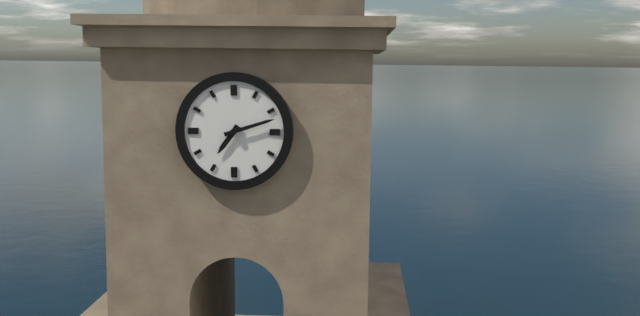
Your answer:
**7:12**
